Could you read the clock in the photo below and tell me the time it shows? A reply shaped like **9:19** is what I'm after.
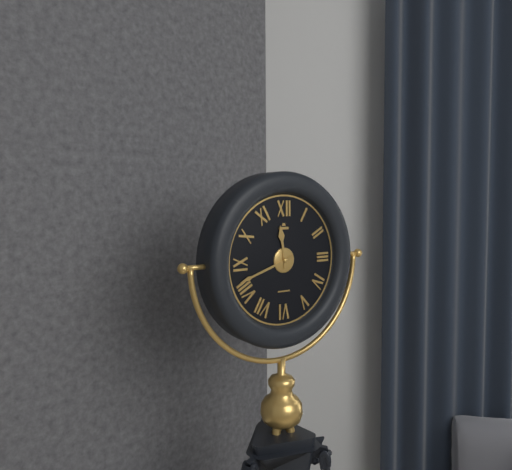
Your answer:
**11:42**
